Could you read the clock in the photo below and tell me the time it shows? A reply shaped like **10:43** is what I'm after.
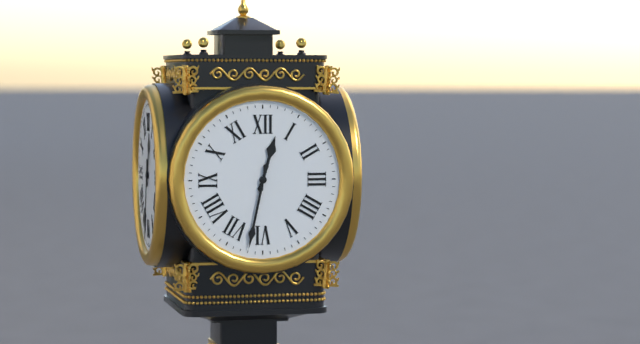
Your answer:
**12:32**
